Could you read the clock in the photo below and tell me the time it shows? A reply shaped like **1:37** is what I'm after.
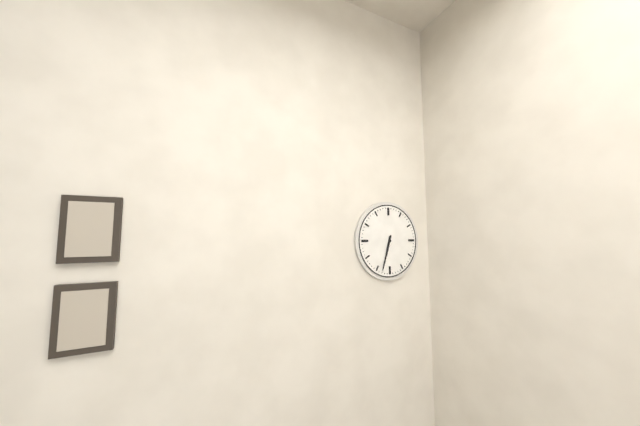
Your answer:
**6:33**
